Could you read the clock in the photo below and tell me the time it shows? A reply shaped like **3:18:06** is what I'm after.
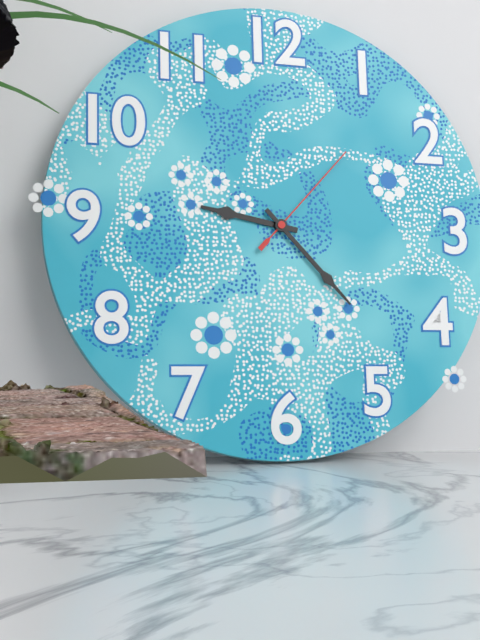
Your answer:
**9:23:07**
